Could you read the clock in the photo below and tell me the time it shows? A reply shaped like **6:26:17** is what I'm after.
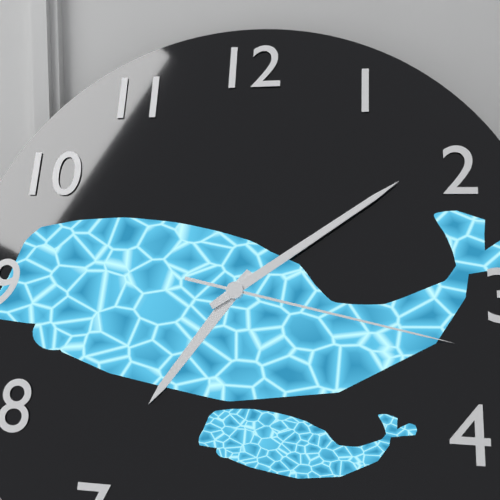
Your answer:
**7:09:17**
